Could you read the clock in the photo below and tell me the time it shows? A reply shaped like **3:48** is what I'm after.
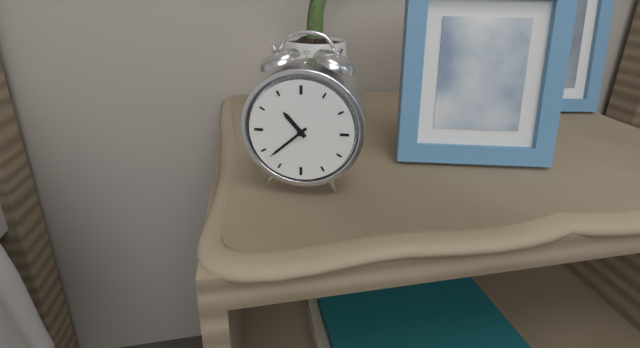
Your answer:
**10:38**
